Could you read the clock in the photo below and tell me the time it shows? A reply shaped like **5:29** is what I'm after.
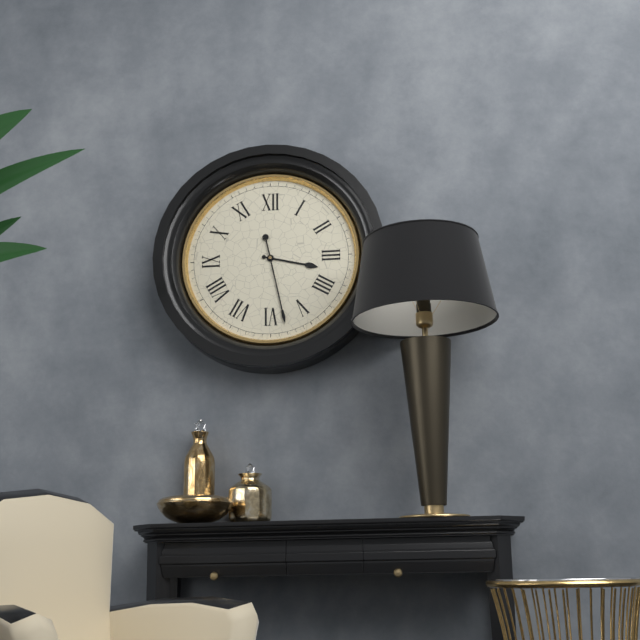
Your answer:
**3:28**
